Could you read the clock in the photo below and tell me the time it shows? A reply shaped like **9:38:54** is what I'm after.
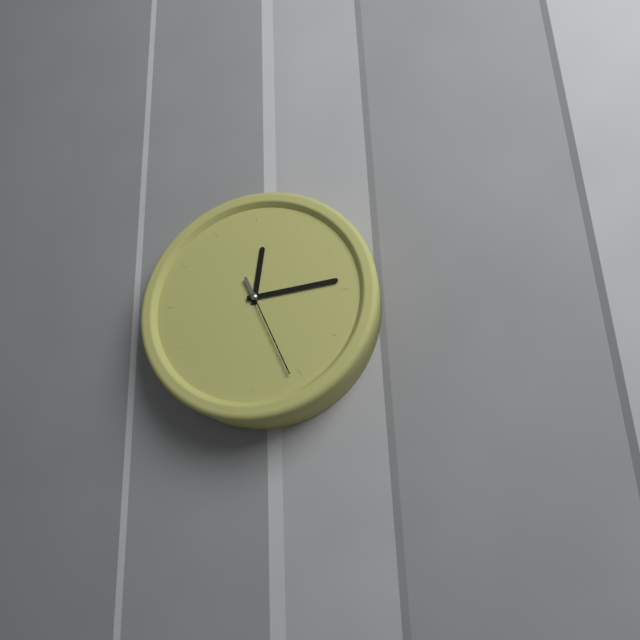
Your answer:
**12:14:26**
